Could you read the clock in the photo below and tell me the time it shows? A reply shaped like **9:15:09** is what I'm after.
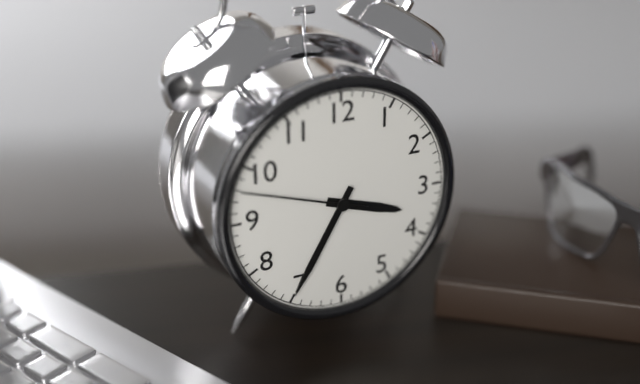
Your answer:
**3:35:48**
